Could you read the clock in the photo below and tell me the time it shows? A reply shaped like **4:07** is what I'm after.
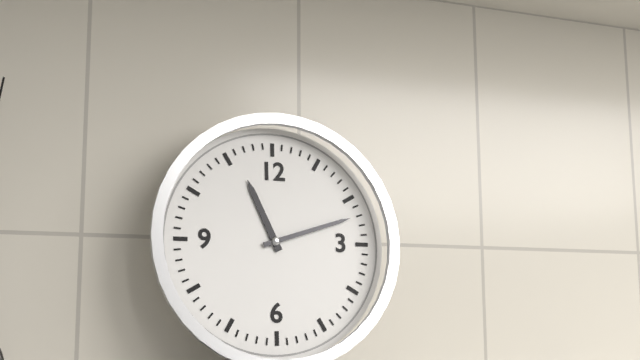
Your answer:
**11:12**
